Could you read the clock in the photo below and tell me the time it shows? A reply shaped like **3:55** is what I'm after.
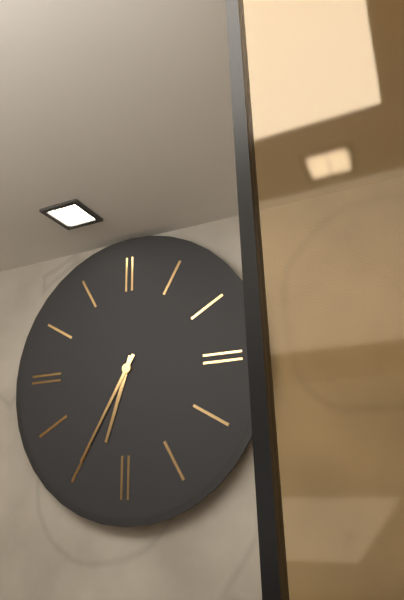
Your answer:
**6:35**
